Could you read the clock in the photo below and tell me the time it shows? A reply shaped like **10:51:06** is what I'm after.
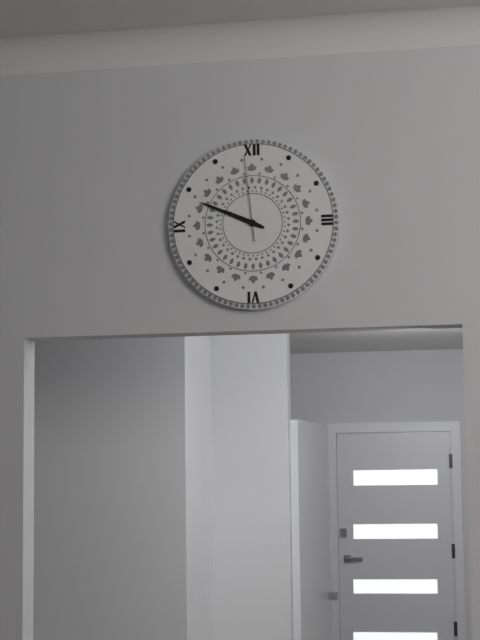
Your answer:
**9:49:59**
